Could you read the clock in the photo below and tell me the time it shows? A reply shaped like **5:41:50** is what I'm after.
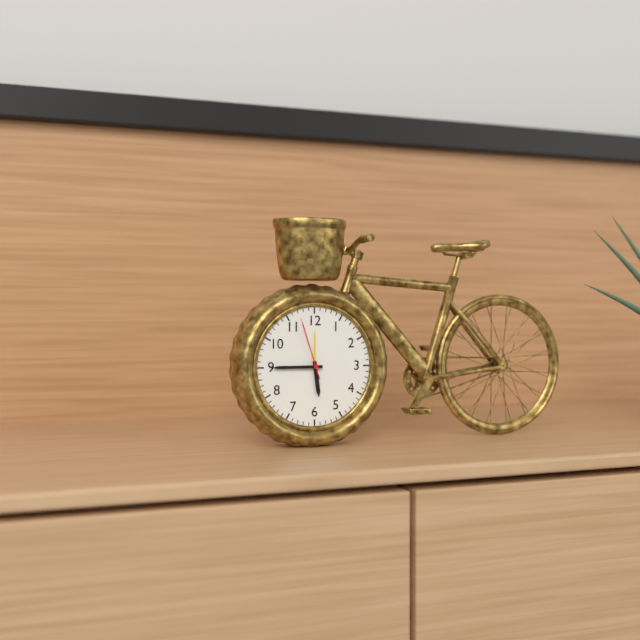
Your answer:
**5:45:57**
